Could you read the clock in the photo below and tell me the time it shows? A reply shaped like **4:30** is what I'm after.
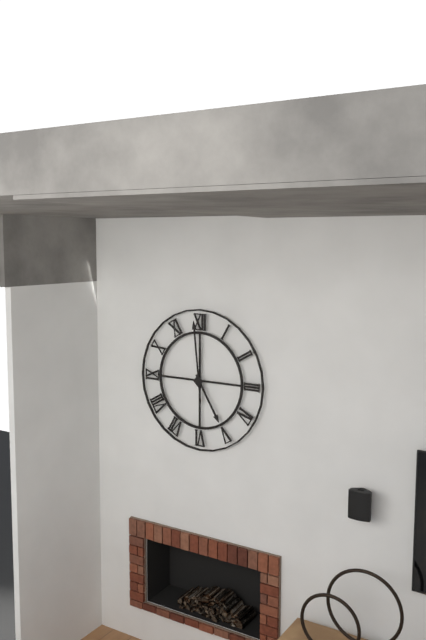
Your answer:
**4:59**
